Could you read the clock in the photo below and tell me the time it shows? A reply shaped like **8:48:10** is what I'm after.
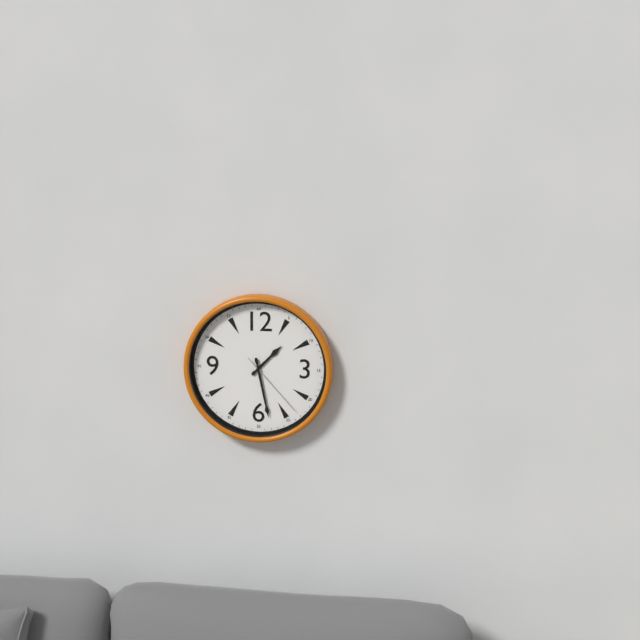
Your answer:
**1:28:23**
